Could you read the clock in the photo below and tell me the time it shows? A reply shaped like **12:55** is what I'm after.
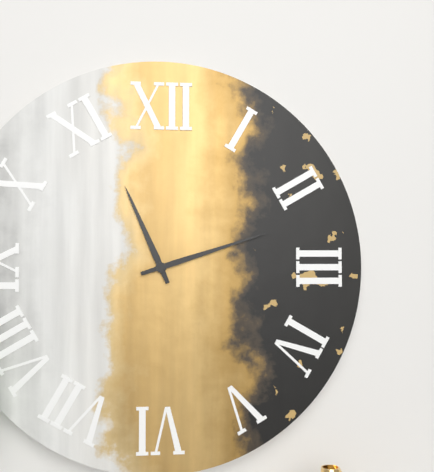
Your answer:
**11:12**
